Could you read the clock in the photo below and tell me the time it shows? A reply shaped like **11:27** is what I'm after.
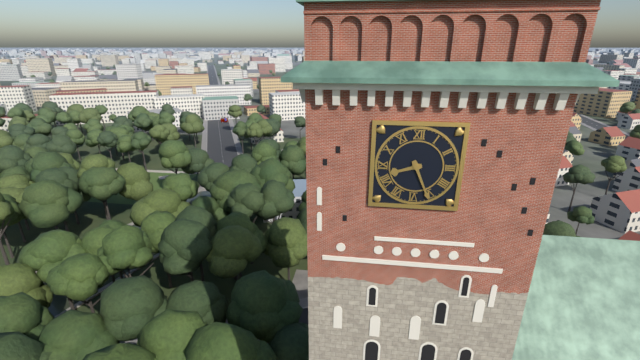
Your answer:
**8:26**
